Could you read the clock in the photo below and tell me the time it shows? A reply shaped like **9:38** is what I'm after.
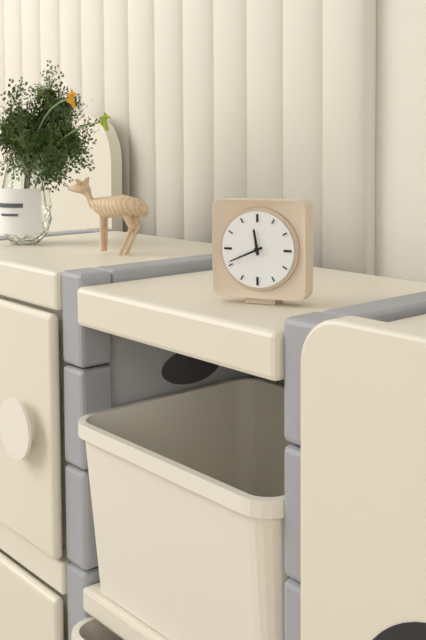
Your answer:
**11:41**
